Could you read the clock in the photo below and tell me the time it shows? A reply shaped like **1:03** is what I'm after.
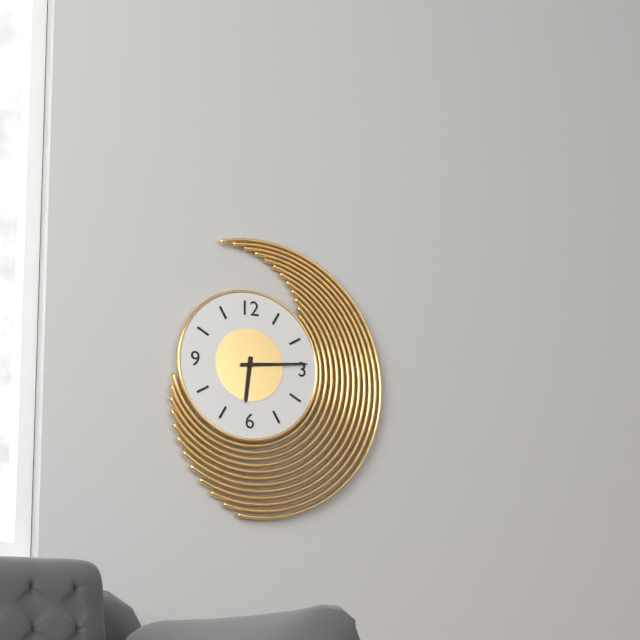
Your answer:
**6:14**
